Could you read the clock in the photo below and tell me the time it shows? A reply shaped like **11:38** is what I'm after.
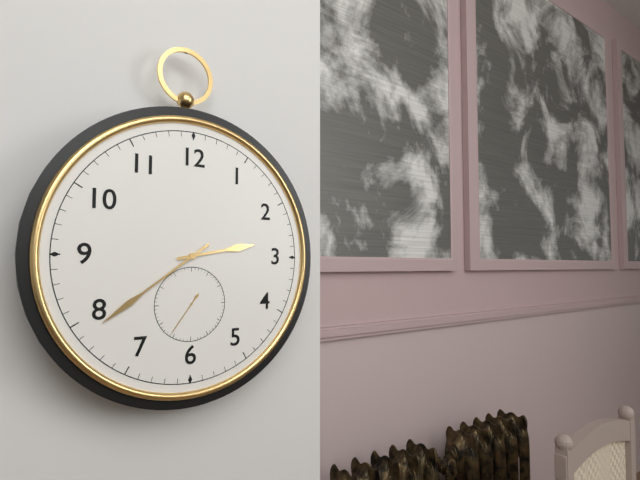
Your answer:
**2:39**
